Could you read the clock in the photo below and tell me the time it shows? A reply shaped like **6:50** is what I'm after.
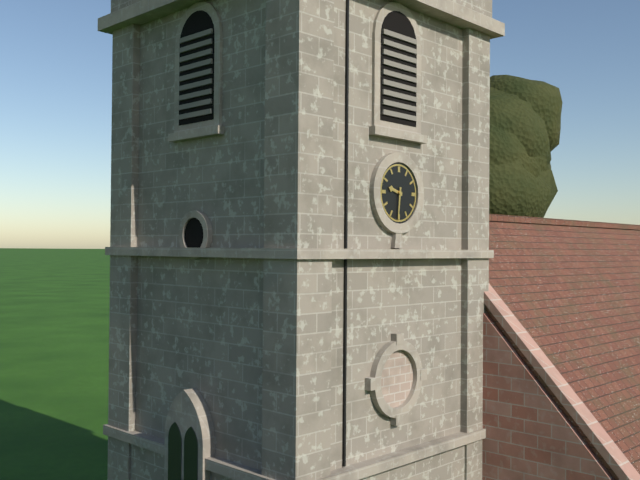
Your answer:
**9:31**
